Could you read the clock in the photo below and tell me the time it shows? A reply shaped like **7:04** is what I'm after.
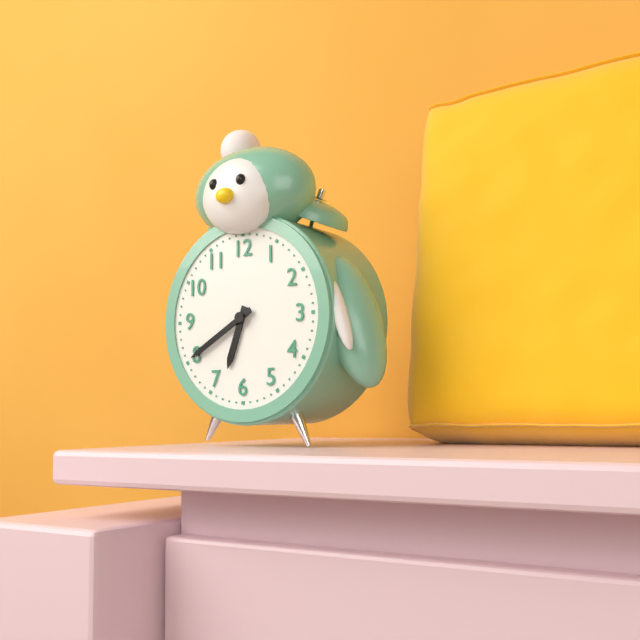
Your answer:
**6:40**
